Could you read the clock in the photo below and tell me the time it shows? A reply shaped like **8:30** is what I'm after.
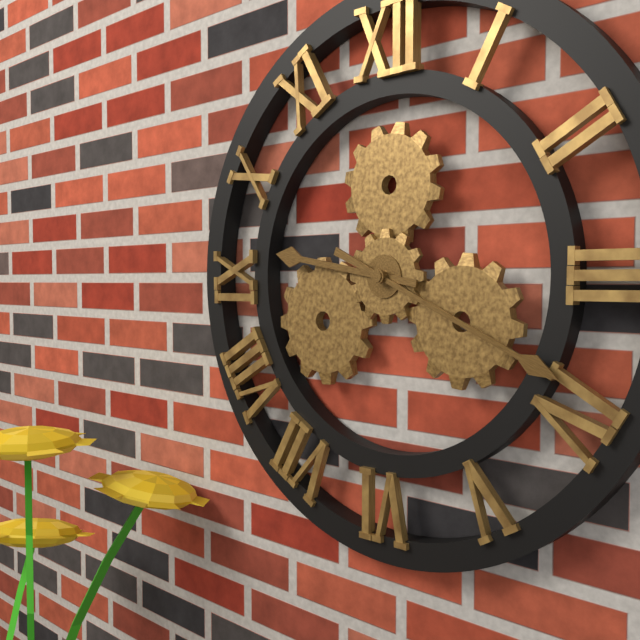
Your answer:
**9:19**
